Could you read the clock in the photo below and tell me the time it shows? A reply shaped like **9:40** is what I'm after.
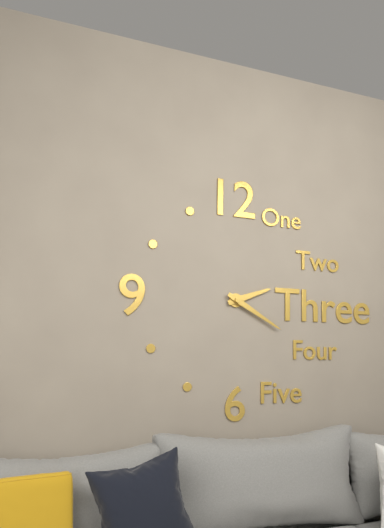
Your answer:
**2:20**
